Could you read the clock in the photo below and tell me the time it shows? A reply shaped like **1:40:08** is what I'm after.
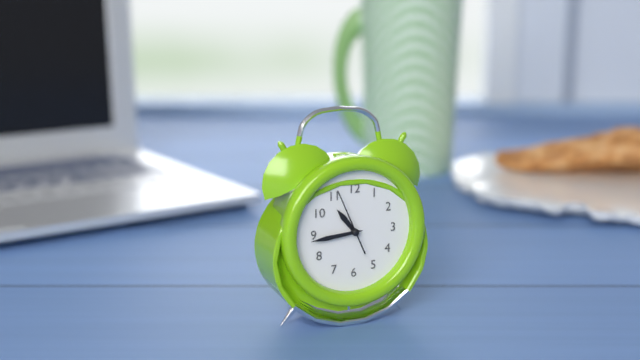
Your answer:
**10:44:56**
